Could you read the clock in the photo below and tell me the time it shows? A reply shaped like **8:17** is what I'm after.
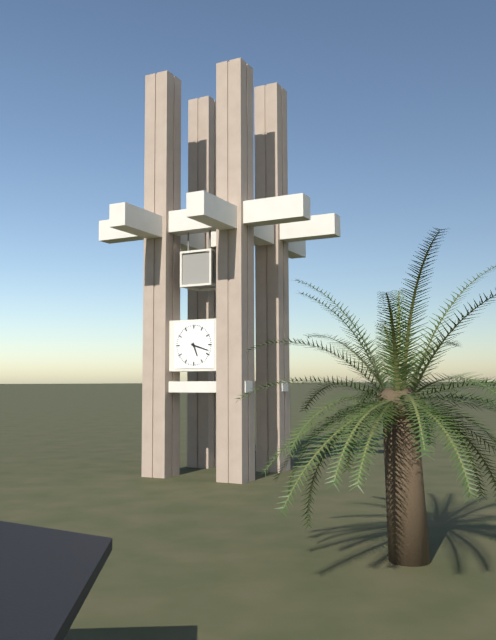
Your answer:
**5:18**
